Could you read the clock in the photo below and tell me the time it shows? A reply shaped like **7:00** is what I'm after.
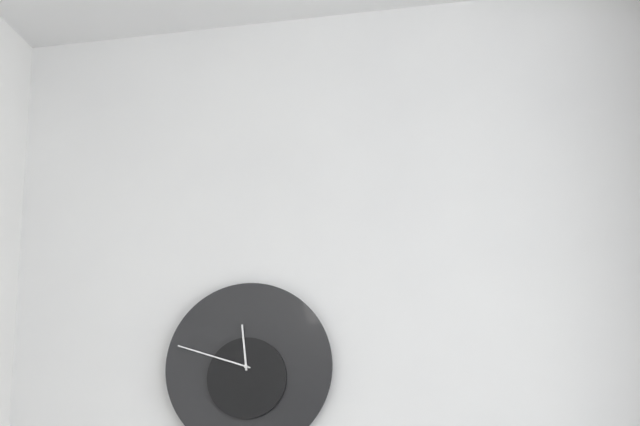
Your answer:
**11:48**
